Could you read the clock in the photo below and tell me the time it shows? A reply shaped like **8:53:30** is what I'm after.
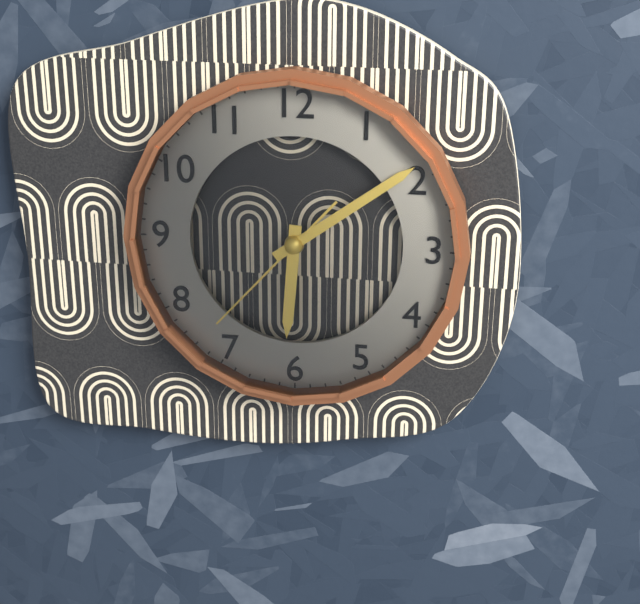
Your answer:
**6:09:37**
